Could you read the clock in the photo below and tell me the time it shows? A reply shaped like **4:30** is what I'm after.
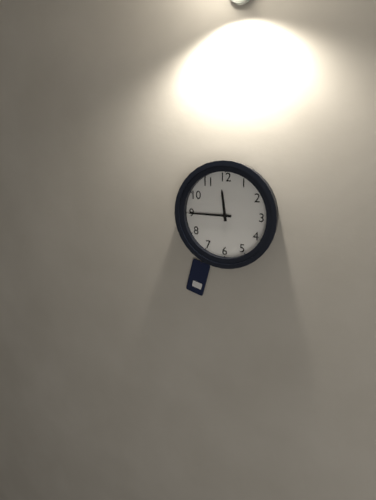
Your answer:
**11:45**
